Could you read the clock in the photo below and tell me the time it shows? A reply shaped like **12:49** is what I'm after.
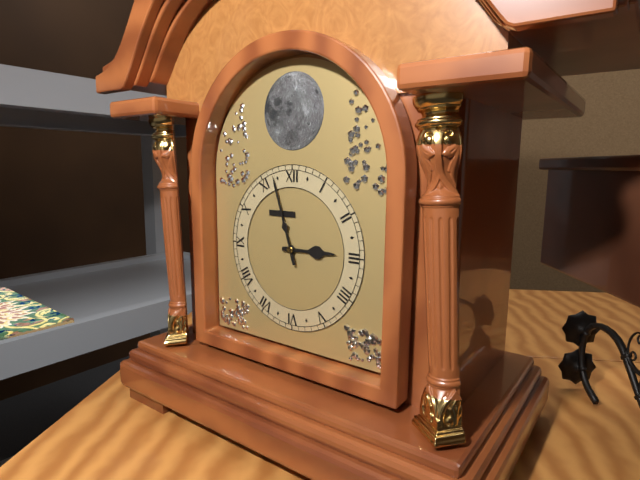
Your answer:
**2:57**
